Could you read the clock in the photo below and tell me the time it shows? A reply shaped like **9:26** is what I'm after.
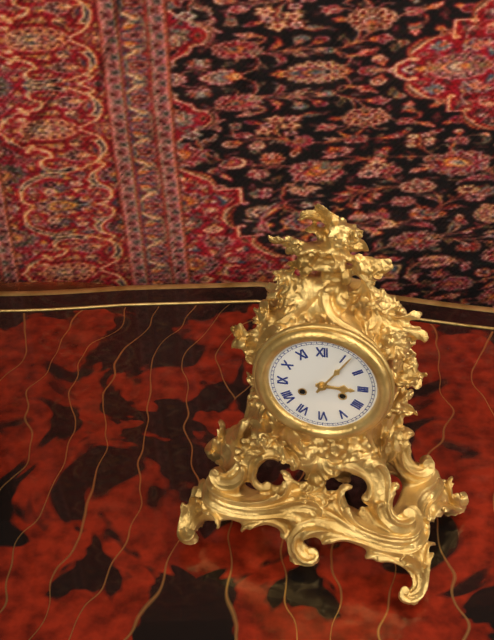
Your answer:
**3:06**
